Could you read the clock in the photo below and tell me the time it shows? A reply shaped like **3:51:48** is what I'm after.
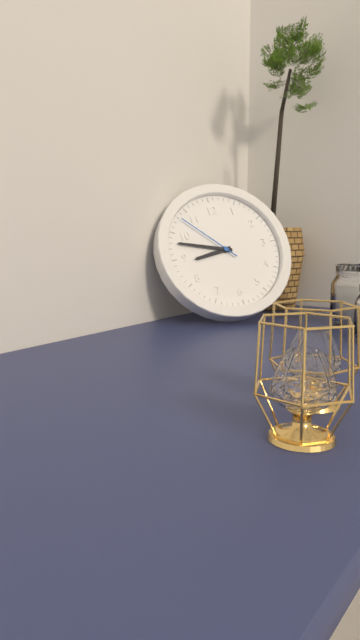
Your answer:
**8:48:53**
